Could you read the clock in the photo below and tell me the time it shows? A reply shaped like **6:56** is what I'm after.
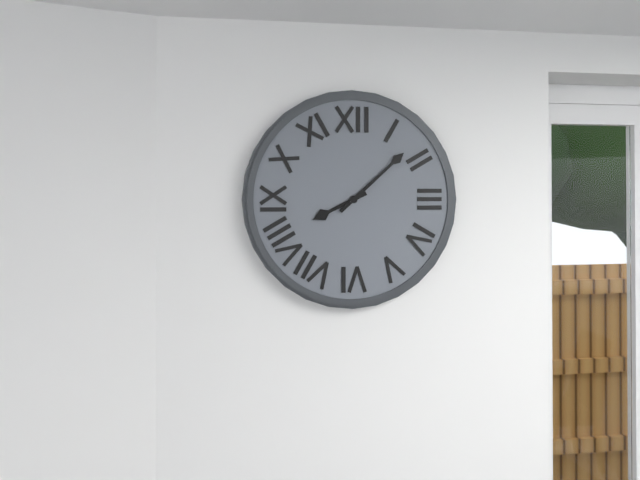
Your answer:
**8:08**
